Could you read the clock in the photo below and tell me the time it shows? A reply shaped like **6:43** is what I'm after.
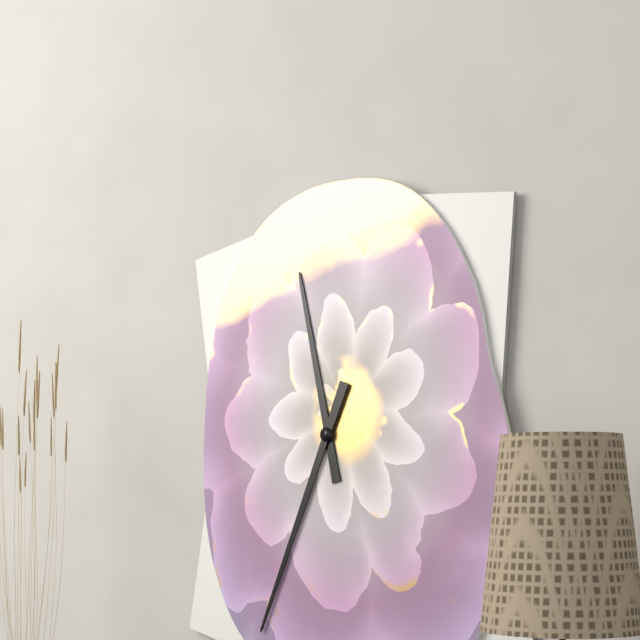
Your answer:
**11:34**
